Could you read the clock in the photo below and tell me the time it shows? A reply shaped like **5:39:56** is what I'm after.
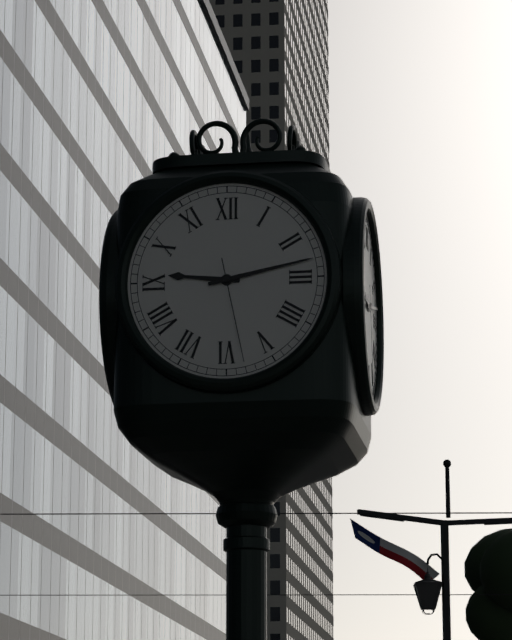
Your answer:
**9:13:28**
